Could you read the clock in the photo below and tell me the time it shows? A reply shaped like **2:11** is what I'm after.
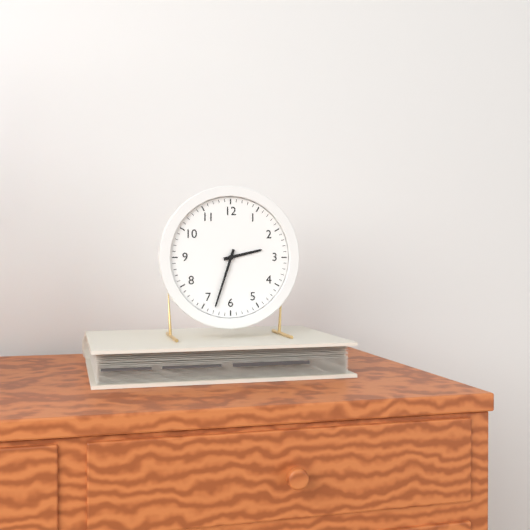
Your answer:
**2:33**
